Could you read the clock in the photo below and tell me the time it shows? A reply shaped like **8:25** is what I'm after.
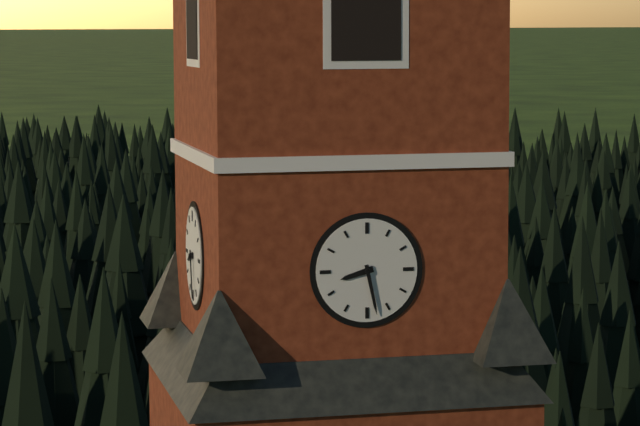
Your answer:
**8:28**
